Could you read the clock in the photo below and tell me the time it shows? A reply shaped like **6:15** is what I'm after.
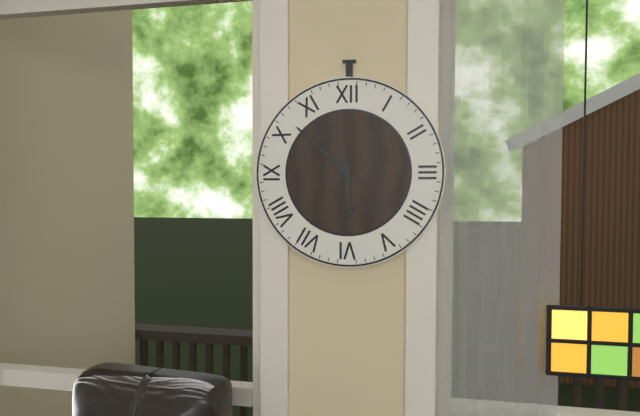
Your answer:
**5:52**
